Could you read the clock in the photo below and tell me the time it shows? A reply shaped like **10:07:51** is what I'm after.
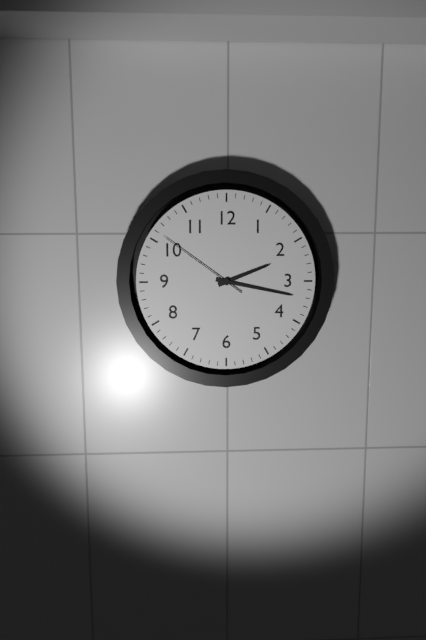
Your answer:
**2:17:51**
